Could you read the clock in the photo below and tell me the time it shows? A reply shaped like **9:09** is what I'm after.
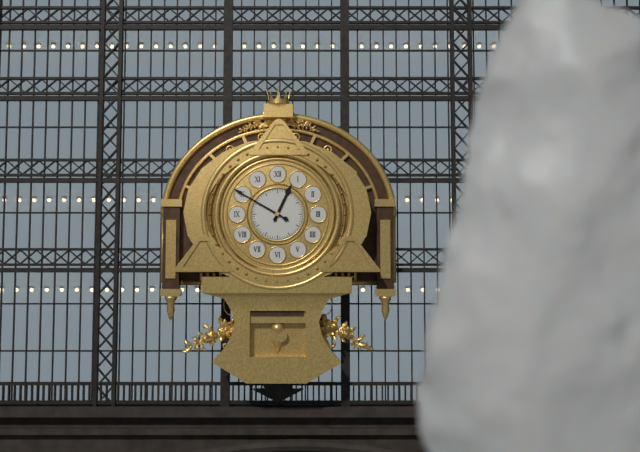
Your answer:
**12:50**
